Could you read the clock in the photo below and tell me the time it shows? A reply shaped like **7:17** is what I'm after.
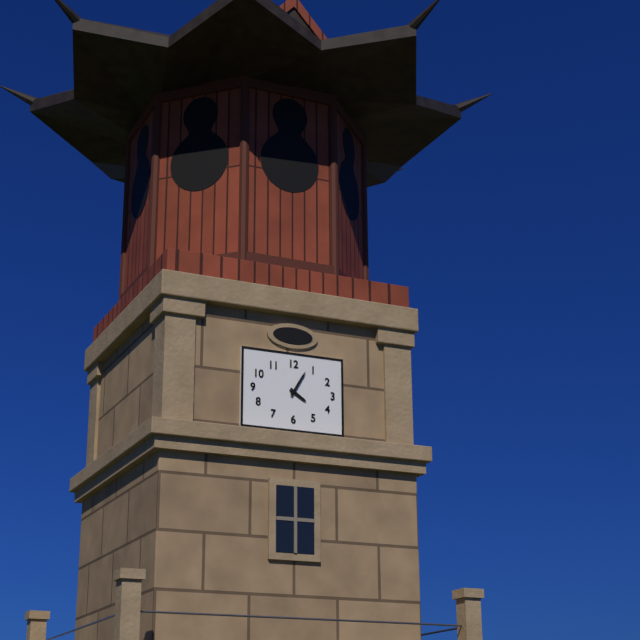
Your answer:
**4:05**
